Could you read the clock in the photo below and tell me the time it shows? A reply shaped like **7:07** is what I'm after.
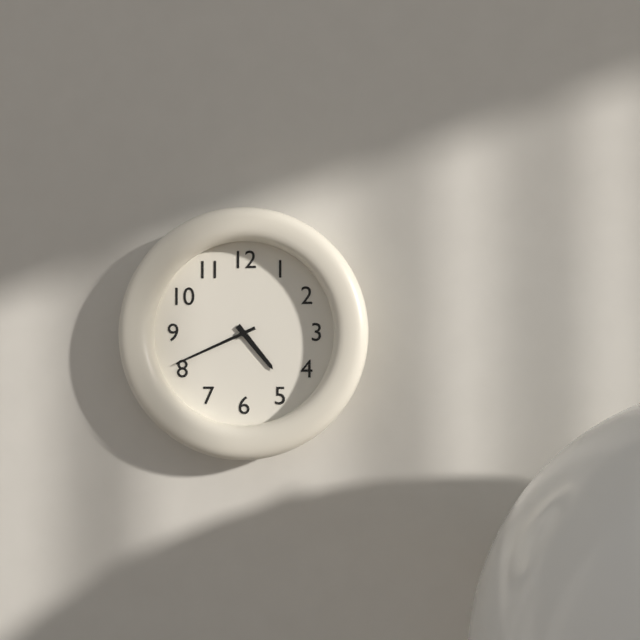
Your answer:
**4:41**
